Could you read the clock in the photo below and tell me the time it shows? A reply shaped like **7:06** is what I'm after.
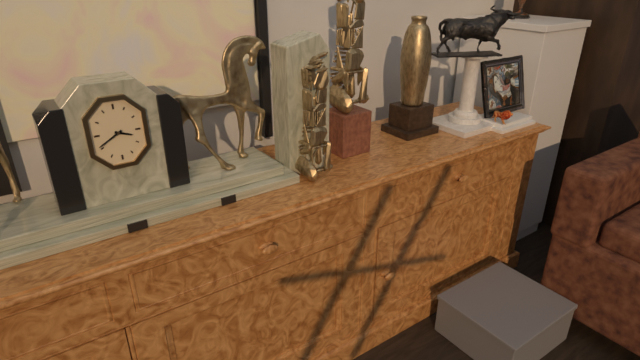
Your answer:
**3:40**
